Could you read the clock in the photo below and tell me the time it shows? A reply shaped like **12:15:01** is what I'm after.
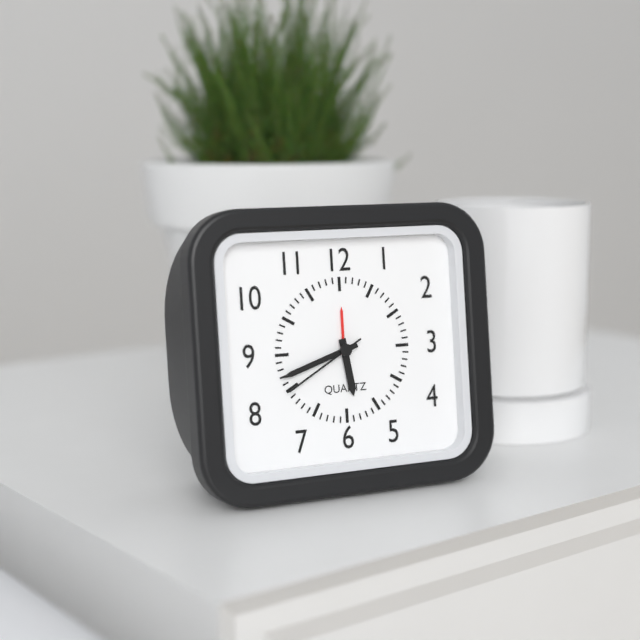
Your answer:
**5:42:40**
